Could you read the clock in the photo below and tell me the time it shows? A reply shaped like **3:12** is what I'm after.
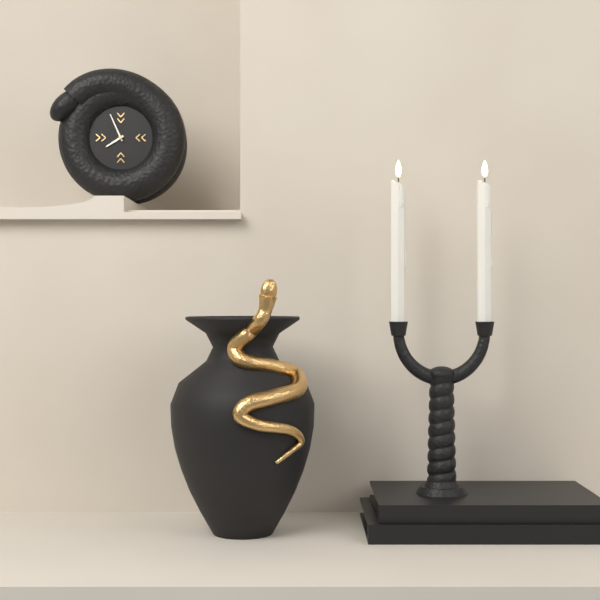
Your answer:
**7:56**
